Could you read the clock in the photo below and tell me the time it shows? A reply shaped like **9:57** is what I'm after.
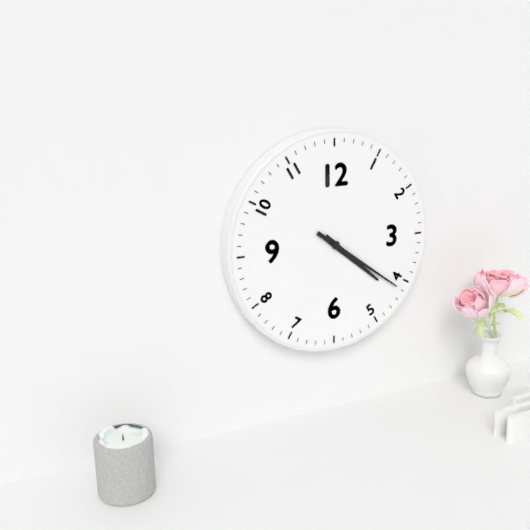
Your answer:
**4:21**
